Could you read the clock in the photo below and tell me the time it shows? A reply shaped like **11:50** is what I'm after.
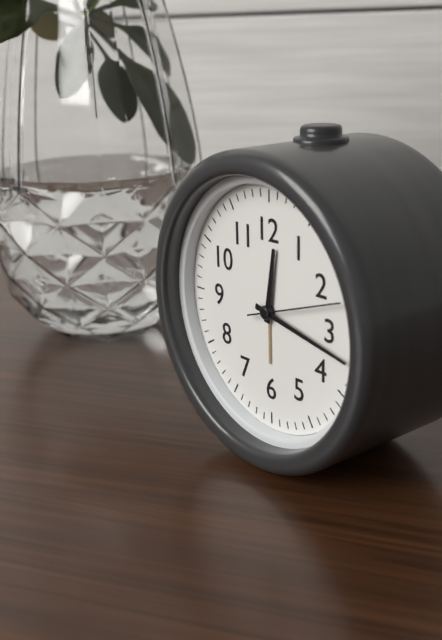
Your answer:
**12:17**
